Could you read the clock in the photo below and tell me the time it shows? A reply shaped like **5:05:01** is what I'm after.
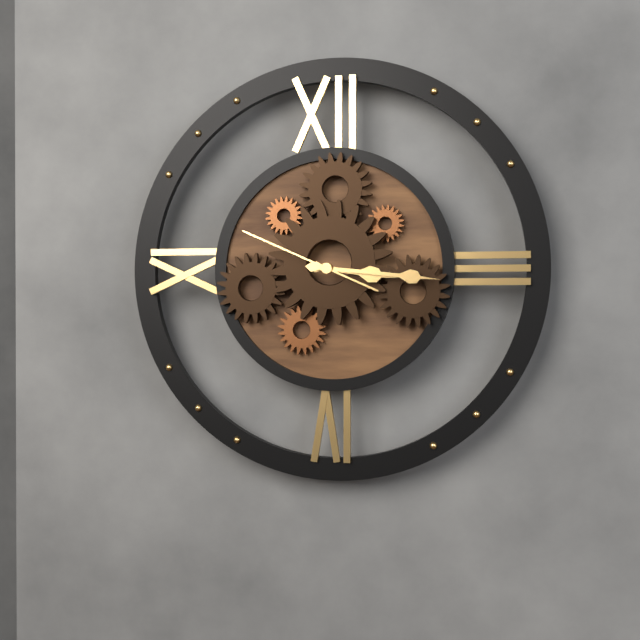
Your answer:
**3:16:49**
